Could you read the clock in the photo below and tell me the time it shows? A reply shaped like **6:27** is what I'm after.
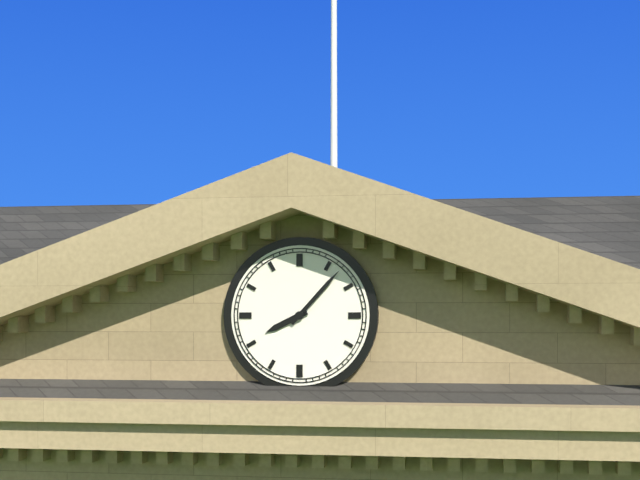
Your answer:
**8:07**
